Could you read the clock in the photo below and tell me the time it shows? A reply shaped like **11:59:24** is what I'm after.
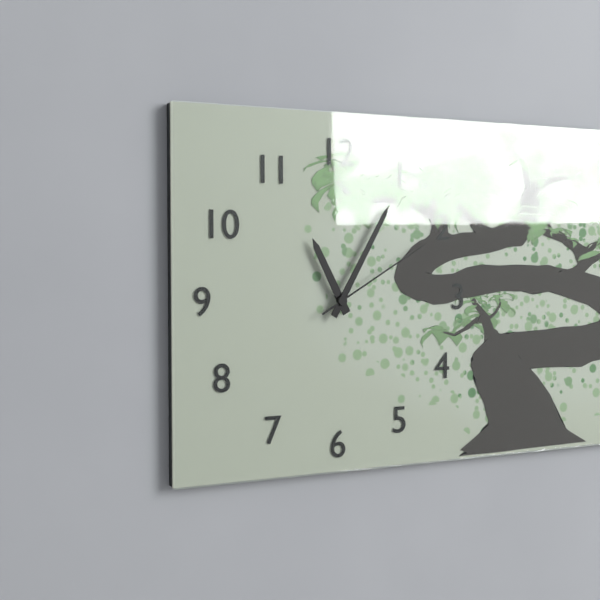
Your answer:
**11:05:10**
